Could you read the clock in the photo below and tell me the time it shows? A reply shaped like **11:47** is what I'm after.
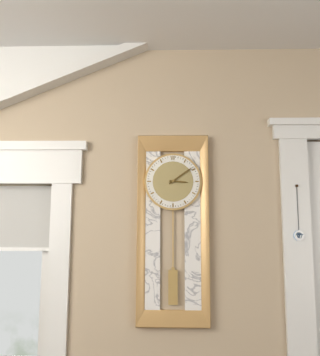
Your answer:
**3:09**
